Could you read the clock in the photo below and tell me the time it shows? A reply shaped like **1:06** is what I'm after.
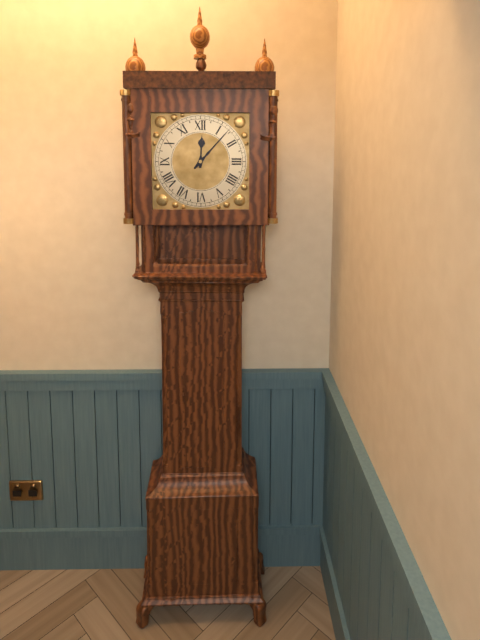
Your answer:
**12:07**
